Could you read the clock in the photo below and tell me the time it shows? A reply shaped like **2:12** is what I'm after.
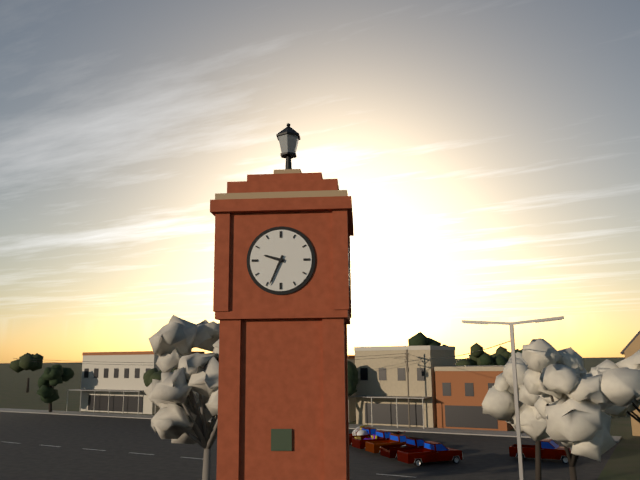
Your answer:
**9:34**
